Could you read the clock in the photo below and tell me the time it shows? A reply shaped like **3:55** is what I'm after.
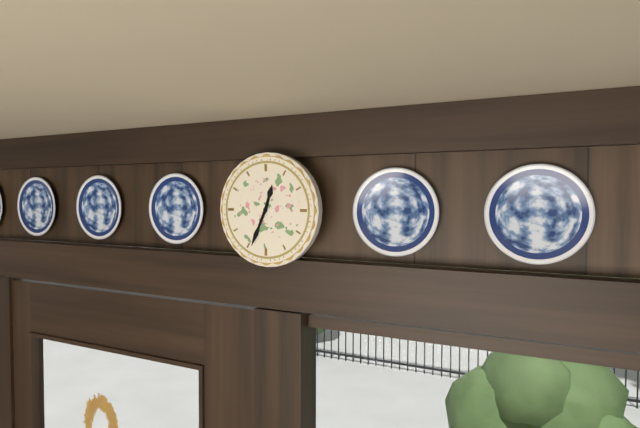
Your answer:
**12:34**
